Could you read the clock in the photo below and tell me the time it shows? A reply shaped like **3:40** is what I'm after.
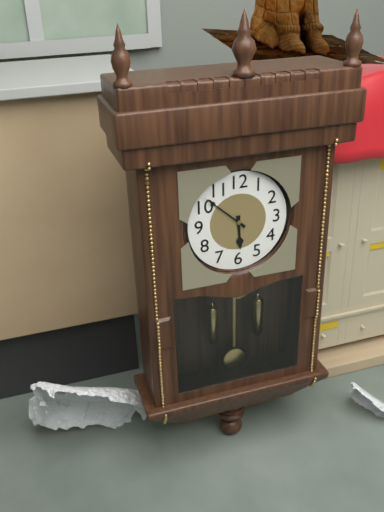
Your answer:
**5:52**
